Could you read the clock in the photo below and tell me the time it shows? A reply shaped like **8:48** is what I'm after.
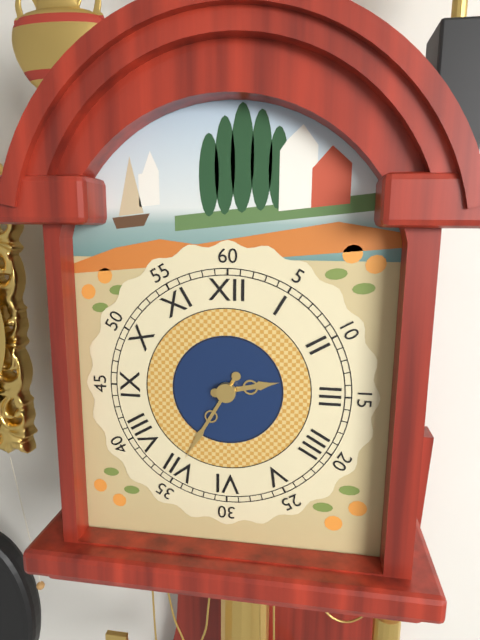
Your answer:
**2:35**
